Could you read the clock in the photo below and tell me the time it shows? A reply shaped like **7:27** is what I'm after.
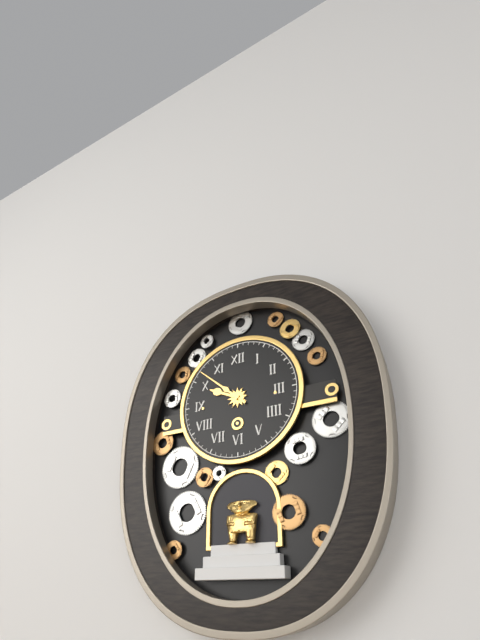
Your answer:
**9:52**
